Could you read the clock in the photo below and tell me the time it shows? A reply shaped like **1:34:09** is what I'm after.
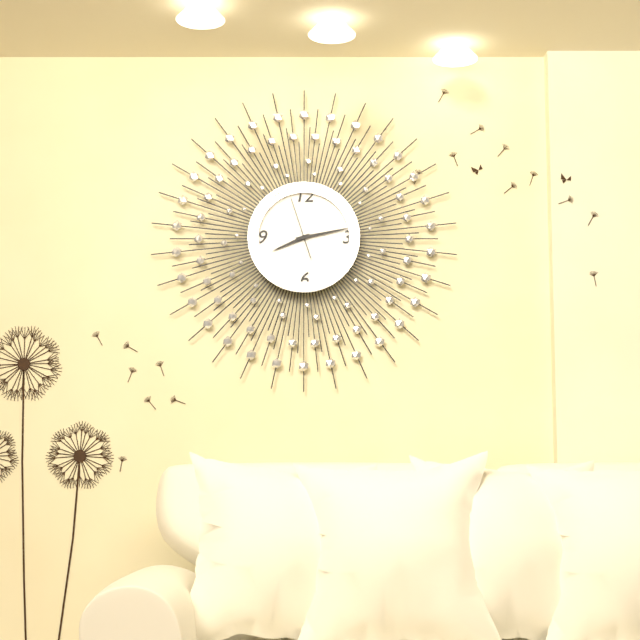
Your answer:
**8:13:57**
